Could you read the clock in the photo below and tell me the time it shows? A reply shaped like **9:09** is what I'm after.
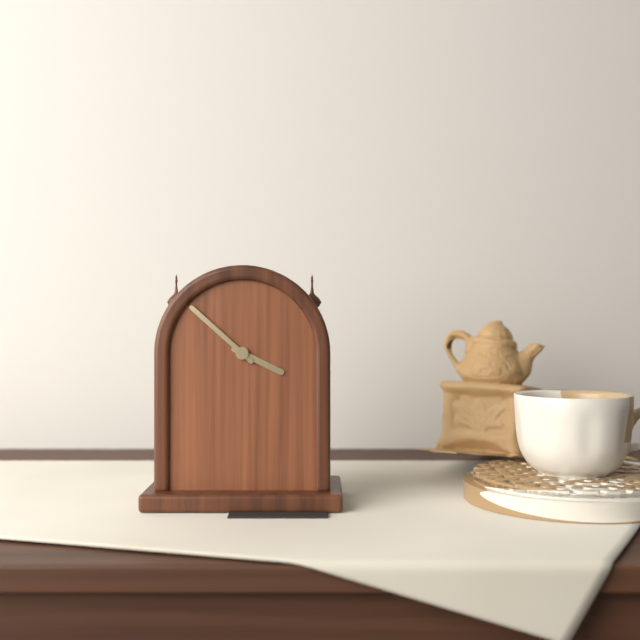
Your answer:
**3:52**
